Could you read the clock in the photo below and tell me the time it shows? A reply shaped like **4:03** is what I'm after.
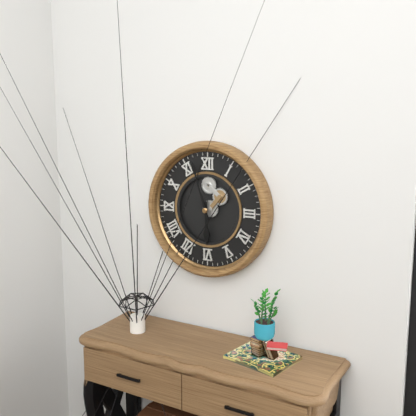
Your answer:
**5:57**
